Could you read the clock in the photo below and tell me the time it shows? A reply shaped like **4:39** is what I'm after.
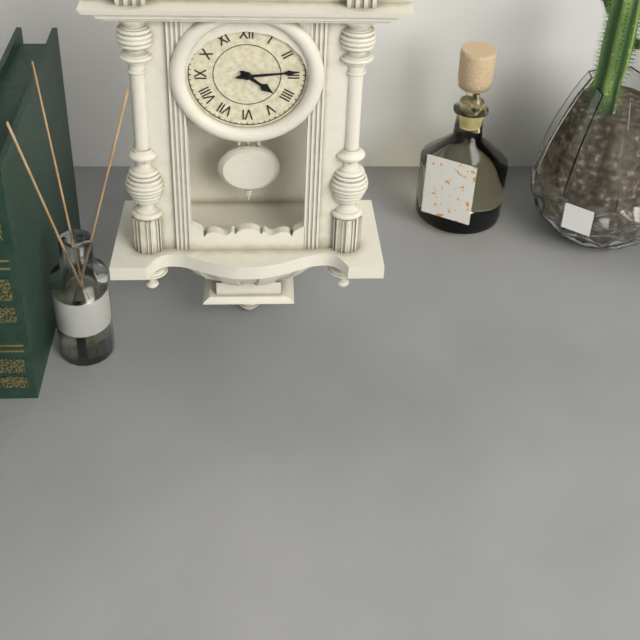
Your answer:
**4:14**
